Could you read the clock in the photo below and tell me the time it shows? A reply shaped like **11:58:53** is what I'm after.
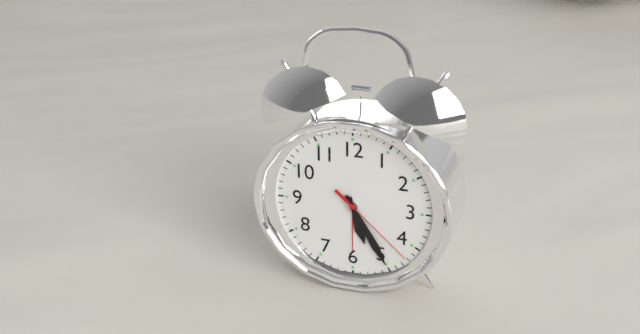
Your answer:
**5:25:22**
